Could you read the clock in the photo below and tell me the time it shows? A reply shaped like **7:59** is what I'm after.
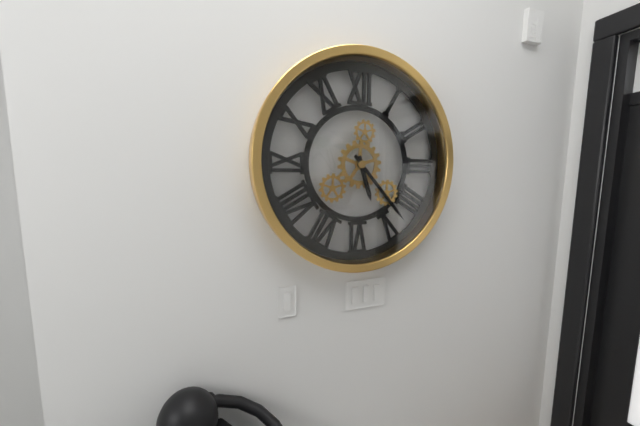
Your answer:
**5:23**
